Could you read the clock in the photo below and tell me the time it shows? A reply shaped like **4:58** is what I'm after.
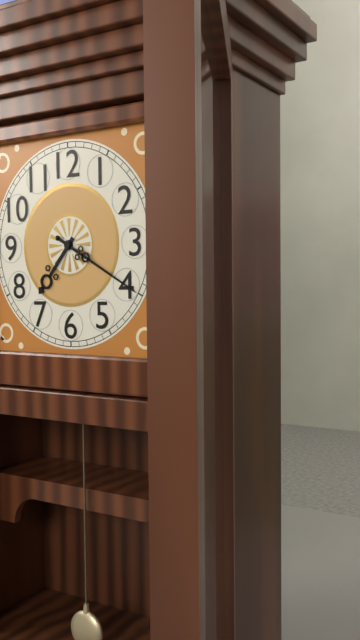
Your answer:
**7:20**
